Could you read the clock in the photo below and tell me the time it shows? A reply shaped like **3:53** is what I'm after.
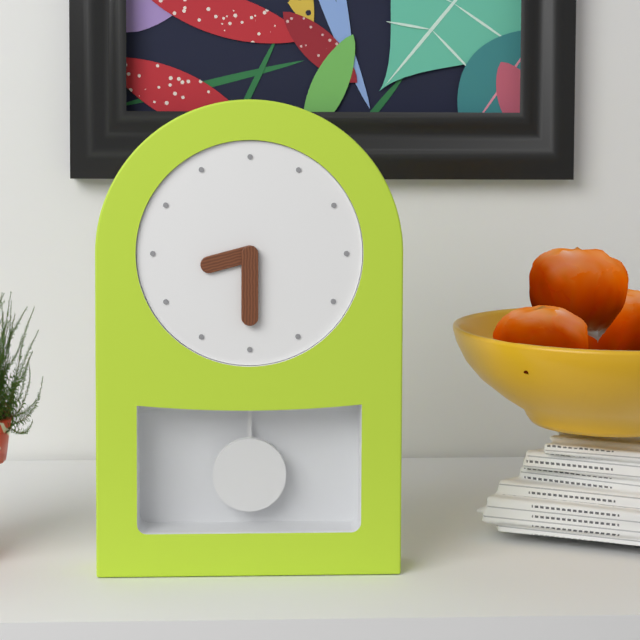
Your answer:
**8:30**
